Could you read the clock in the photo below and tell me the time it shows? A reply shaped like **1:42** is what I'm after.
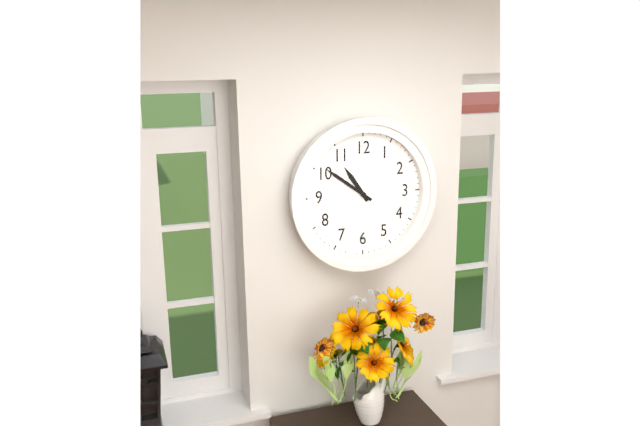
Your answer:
**10:51**
